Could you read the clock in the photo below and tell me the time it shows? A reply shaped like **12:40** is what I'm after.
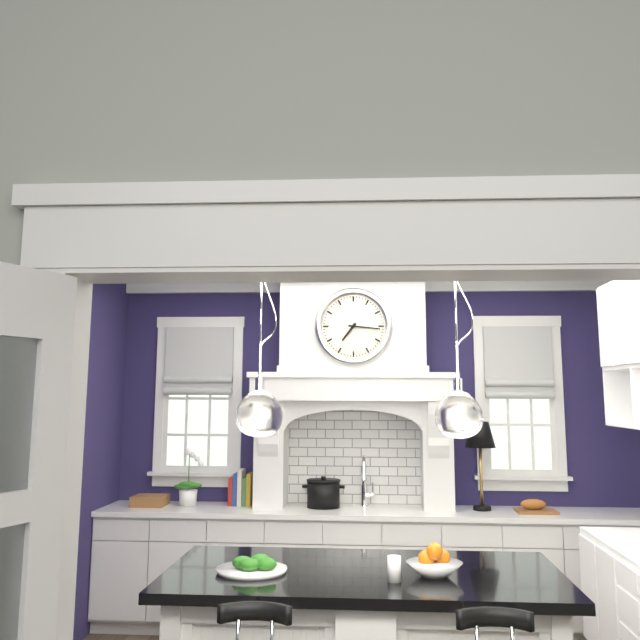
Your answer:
**7:16**
